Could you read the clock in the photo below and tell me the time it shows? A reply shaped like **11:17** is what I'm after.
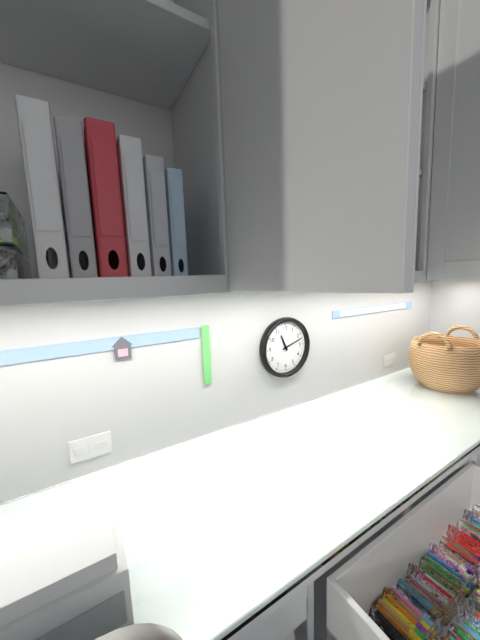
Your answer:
**11:12**
